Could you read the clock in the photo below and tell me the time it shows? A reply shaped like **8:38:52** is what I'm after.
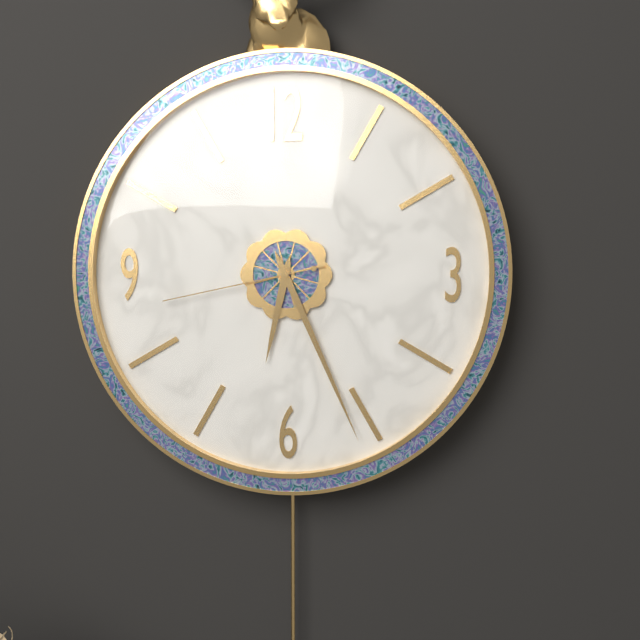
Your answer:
**6:26:43**
